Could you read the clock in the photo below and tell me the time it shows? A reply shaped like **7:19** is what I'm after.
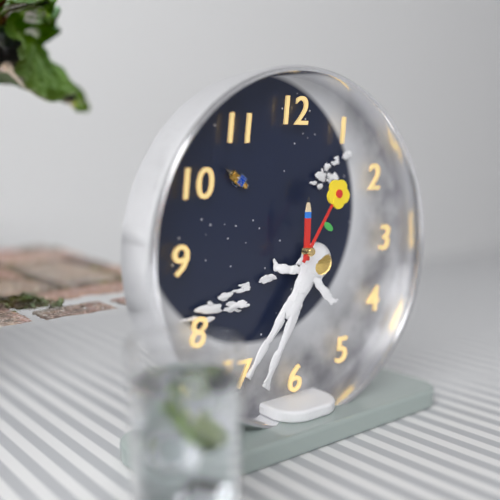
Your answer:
**12:06**
